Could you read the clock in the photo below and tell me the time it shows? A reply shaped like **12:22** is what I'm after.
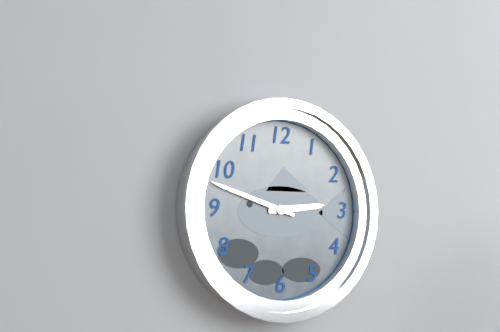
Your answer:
**2:48**
